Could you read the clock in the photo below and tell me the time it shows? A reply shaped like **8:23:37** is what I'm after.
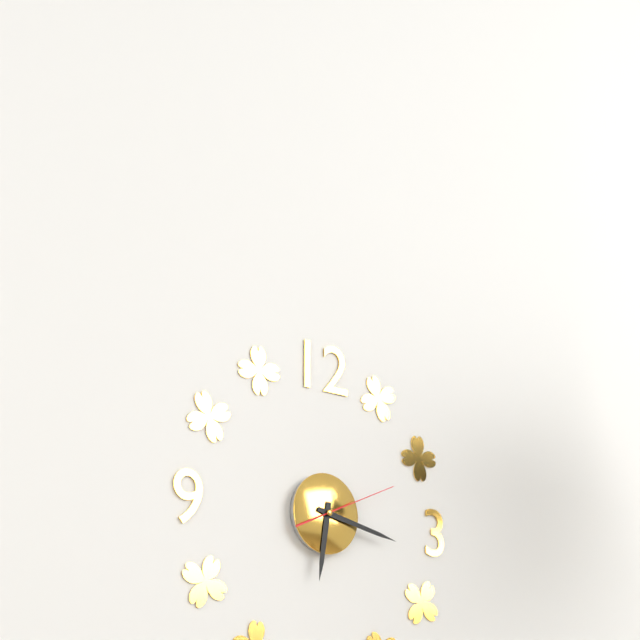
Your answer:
**6:17:11**
